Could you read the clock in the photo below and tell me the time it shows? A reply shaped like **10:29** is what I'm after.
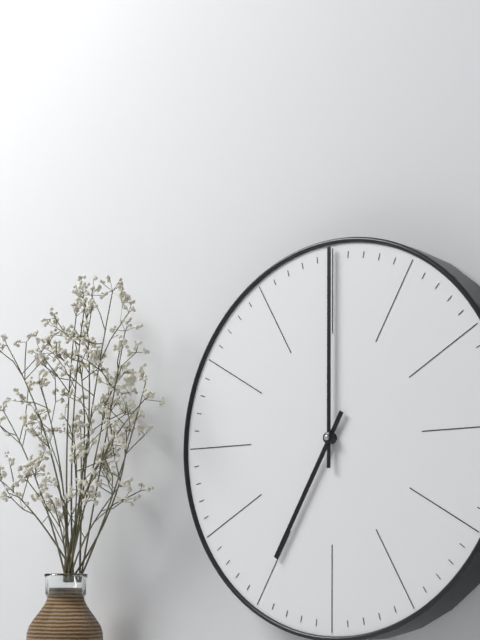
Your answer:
**7:00**
